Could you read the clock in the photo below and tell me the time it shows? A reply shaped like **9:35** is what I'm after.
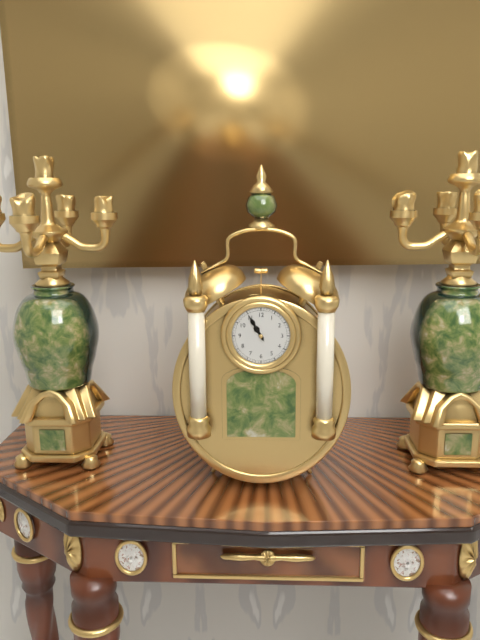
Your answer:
**10:55**
